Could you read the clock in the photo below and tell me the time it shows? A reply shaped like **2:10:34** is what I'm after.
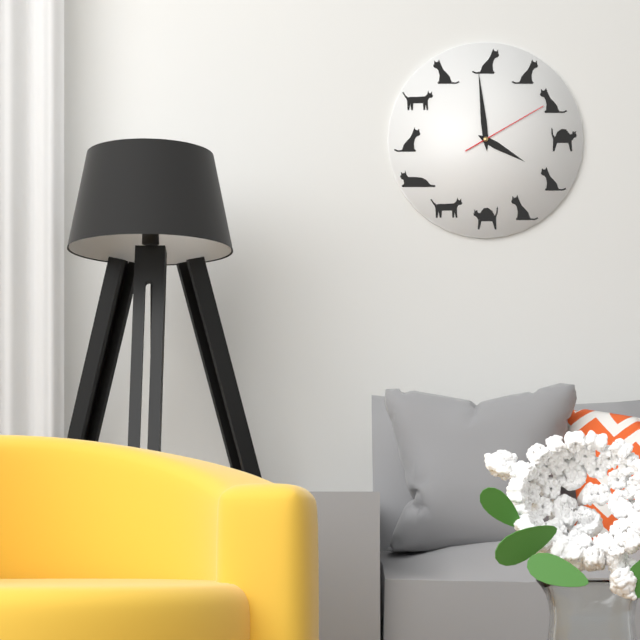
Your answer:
**3:59:10**
